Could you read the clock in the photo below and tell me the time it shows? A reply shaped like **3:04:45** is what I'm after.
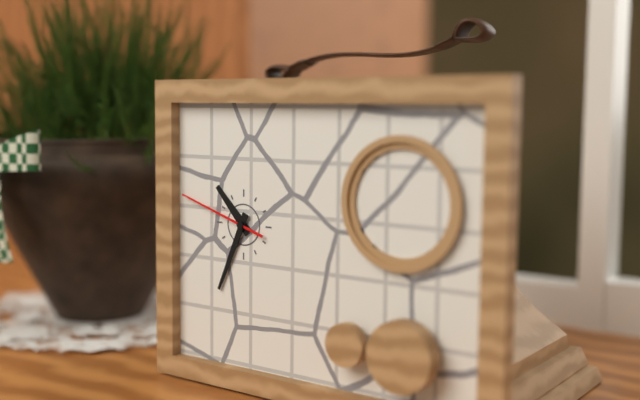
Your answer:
**10:34:48**
